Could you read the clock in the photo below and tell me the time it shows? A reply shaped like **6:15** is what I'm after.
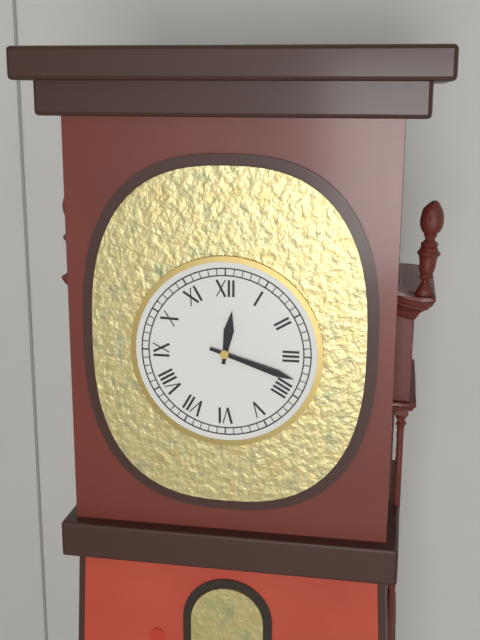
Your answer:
**12:18**
